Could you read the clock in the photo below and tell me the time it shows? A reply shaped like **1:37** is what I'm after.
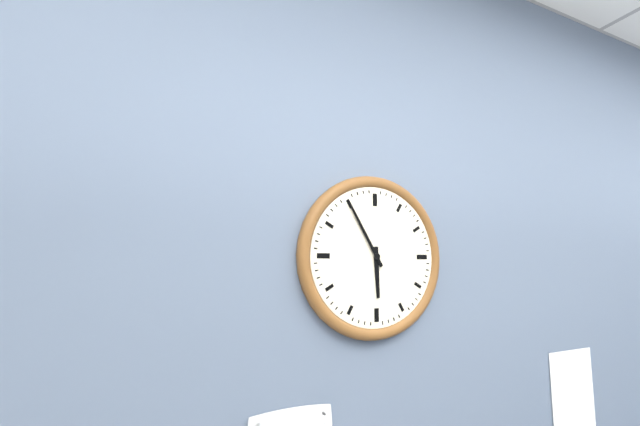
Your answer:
**5:55**
